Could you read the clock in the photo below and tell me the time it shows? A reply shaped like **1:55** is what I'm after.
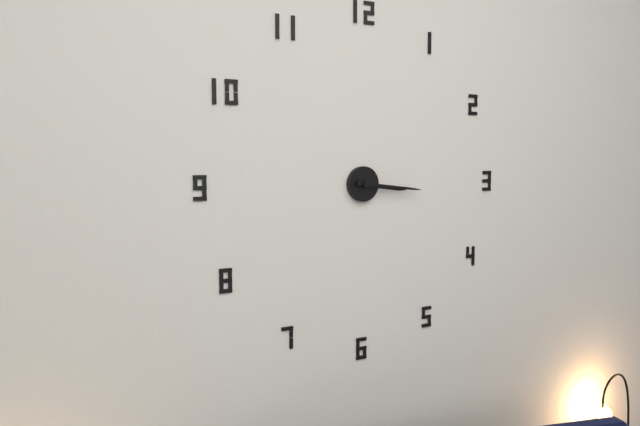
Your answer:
**3:16**
